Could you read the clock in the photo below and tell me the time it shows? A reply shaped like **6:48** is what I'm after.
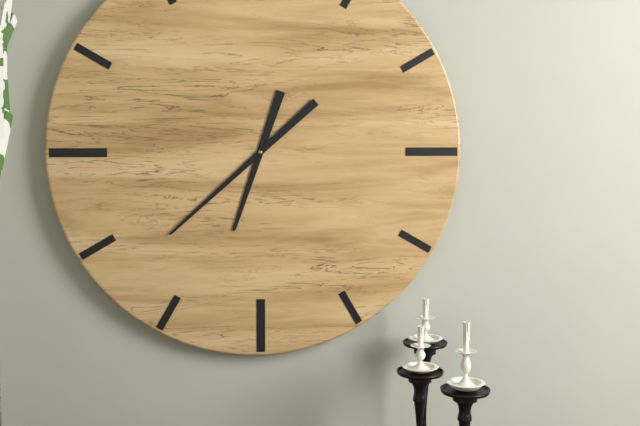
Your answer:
**6:38**
